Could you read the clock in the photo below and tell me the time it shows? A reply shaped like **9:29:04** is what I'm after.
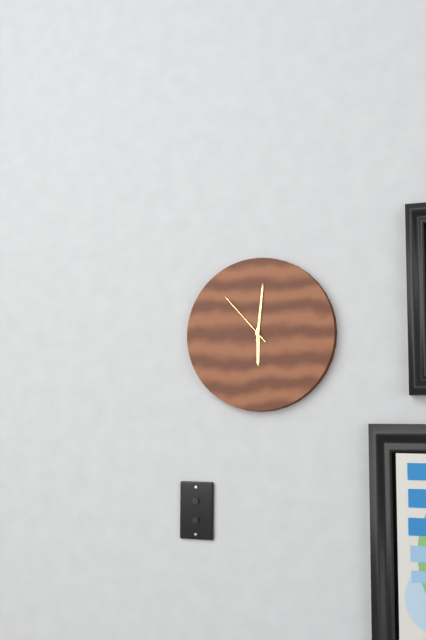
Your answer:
**6:01:53**
